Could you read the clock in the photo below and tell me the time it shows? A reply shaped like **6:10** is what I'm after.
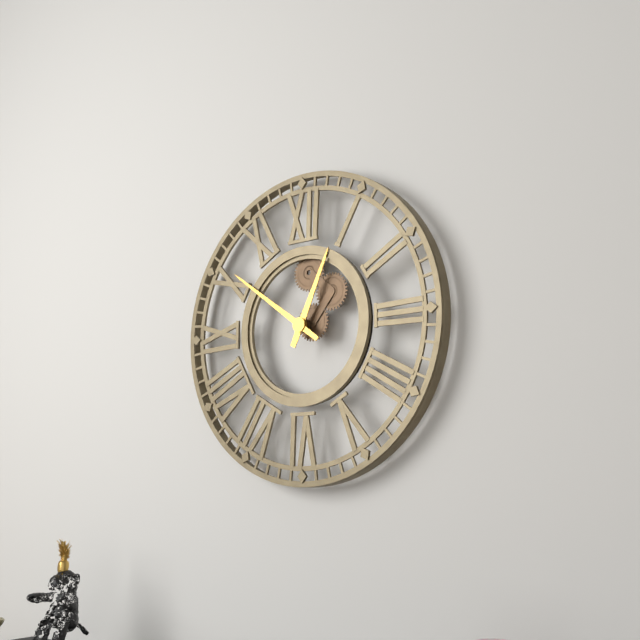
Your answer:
**12:51**
